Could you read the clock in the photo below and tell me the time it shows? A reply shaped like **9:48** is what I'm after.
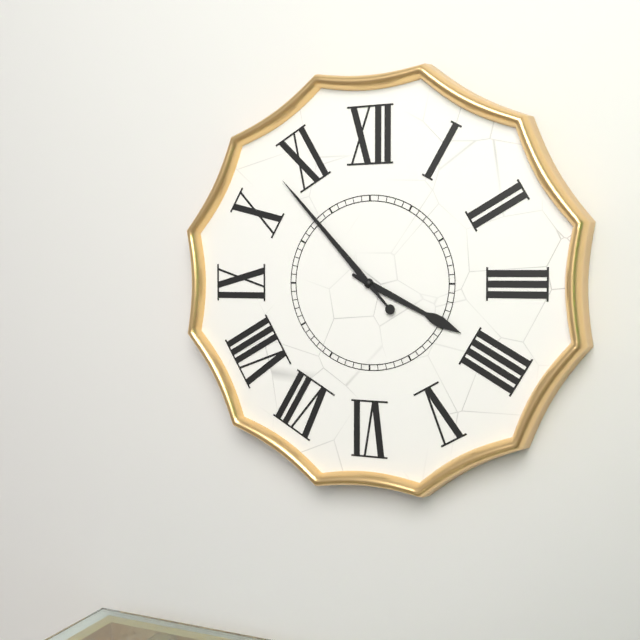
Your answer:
**3:53**
